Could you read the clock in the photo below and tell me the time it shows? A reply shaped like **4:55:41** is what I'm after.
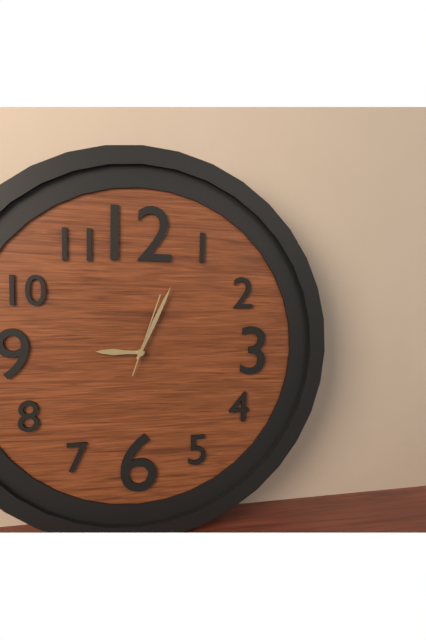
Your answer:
**9:04:03**
